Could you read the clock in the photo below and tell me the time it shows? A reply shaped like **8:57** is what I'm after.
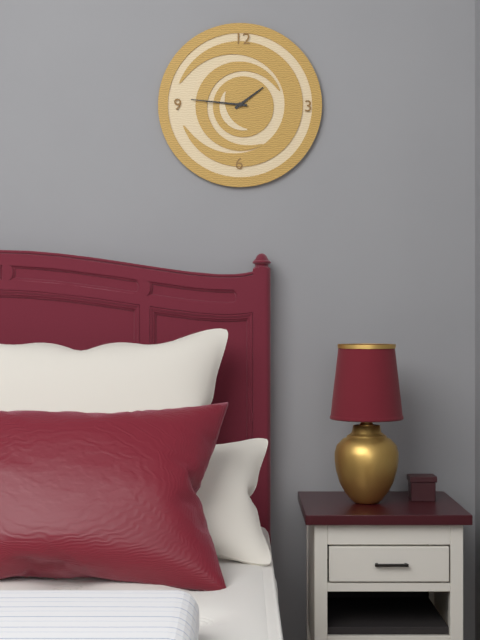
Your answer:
**1:46**
